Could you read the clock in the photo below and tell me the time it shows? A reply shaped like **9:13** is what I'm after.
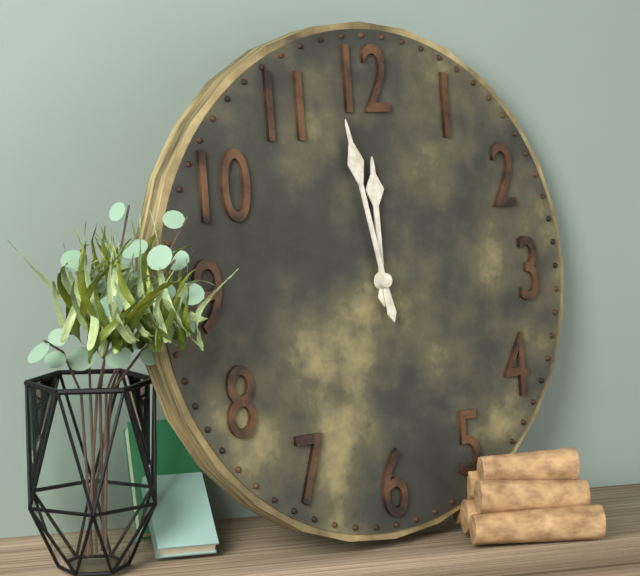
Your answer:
**11:58**
